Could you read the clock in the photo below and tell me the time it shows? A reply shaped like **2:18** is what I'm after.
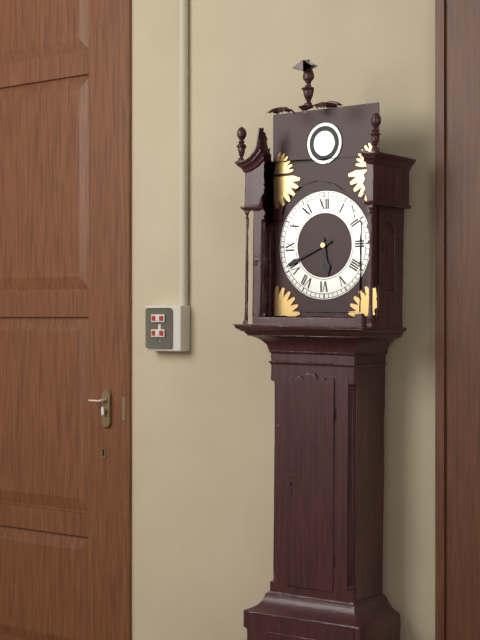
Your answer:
**5:41**
